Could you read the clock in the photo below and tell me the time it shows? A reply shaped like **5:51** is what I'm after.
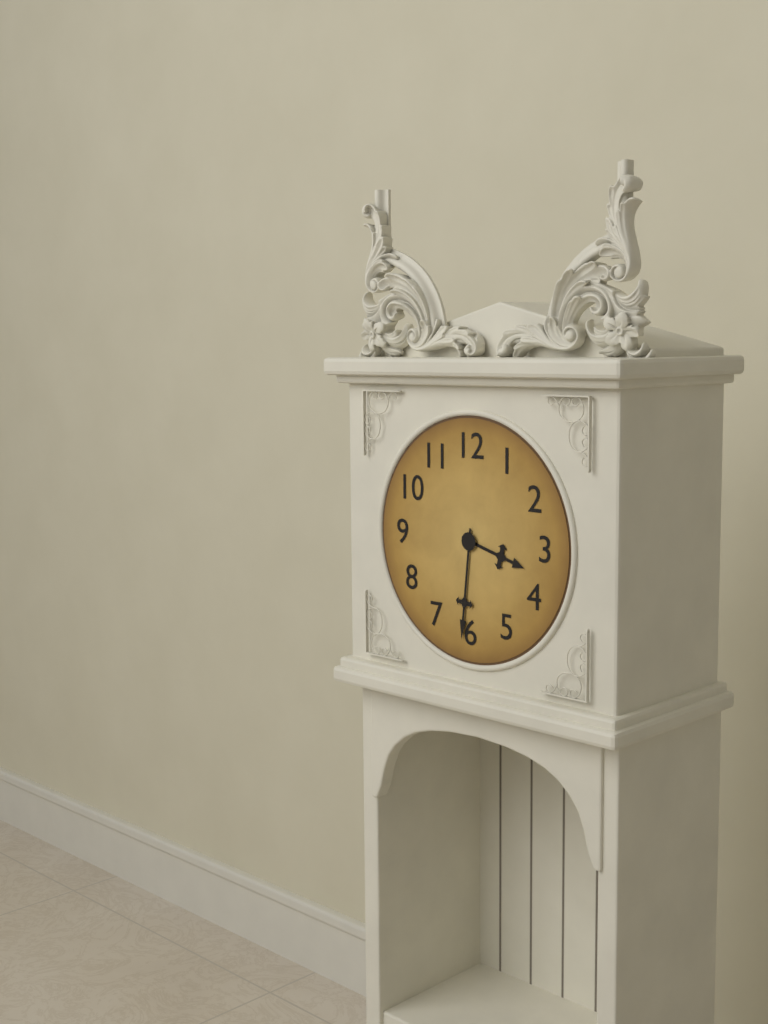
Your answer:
**3:31**
